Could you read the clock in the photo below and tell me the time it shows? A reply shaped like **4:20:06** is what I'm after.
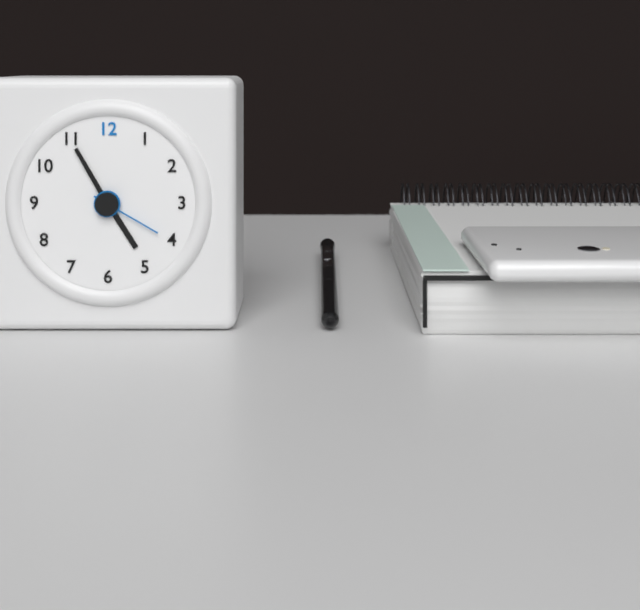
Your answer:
**4:55:20**
